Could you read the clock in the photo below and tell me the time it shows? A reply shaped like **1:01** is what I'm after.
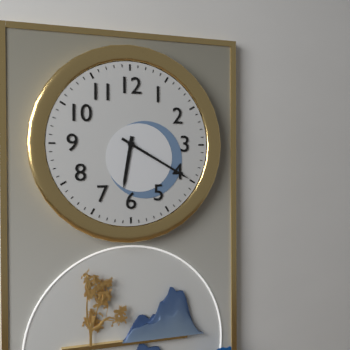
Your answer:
**6:20**
